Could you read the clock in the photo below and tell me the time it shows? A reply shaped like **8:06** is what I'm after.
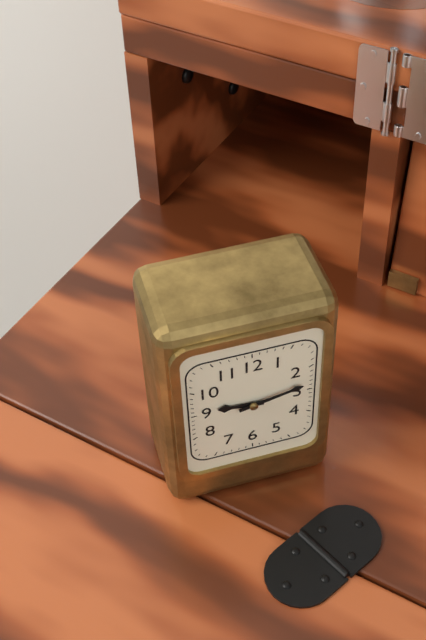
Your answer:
**9:13**
